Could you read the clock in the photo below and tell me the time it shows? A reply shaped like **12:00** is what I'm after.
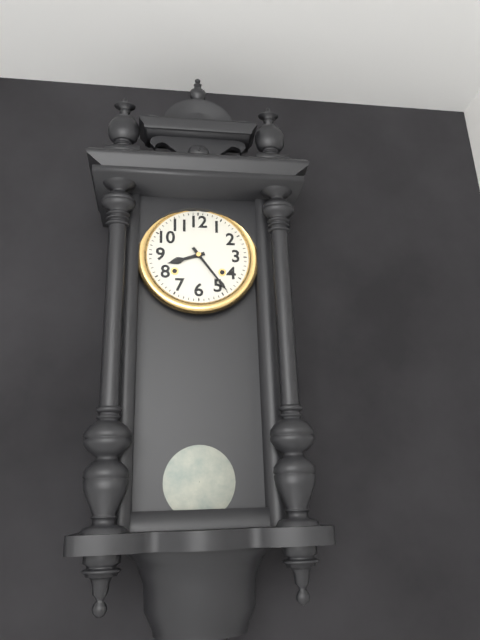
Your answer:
**8:24**
